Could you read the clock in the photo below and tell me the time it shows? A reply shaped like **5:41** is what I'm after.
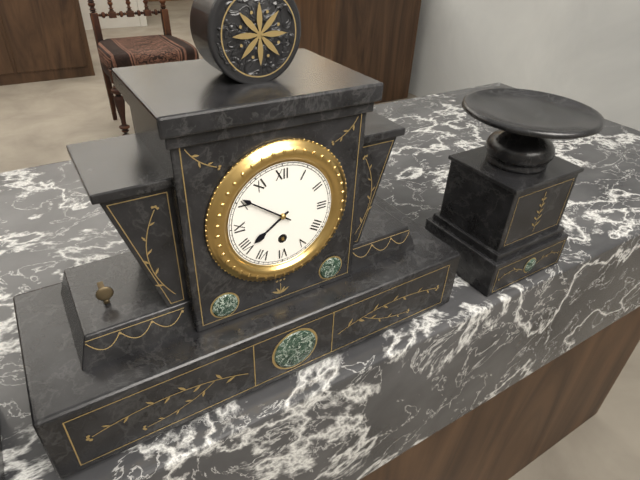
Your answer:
**7:51**
